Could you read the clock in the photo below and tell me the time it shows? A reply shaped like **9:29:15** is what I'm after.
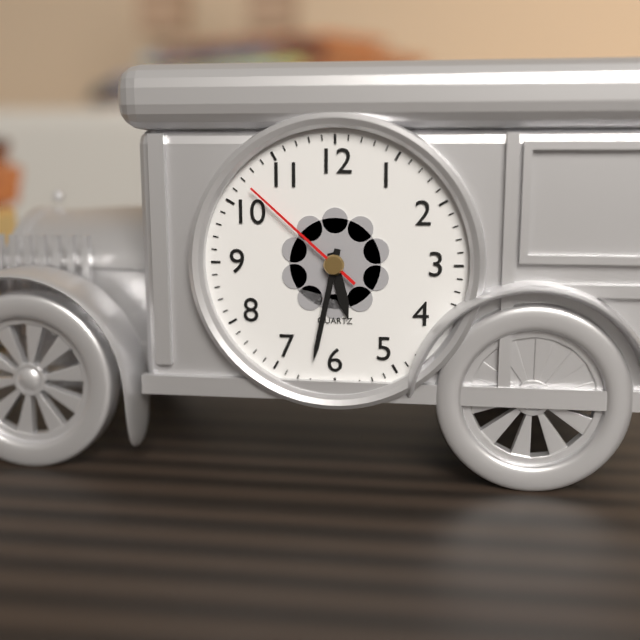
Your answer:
**5:32:52**
